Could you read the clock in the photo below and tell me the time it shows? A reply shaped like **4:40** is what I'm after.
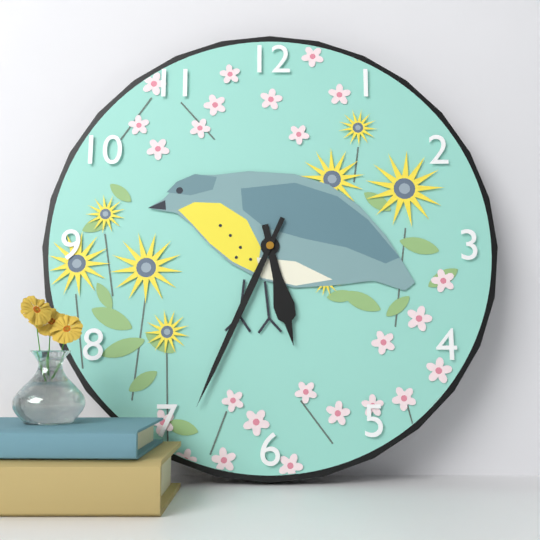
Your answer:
**5:34**
